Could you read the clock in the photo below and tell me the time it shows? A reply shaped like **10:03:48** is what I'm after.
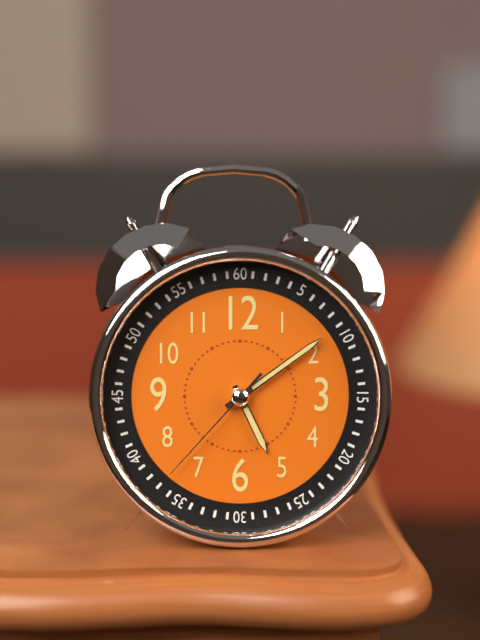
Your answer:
**5:09:37**
